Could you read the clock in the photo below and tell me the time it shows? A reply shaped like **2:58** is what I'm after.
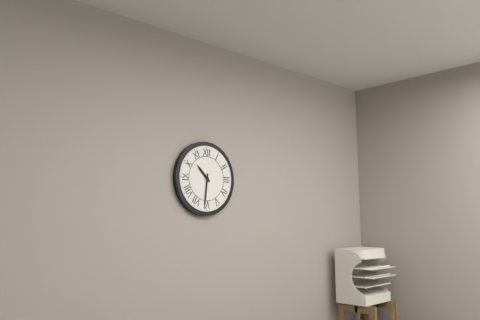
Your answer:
**10:31**
